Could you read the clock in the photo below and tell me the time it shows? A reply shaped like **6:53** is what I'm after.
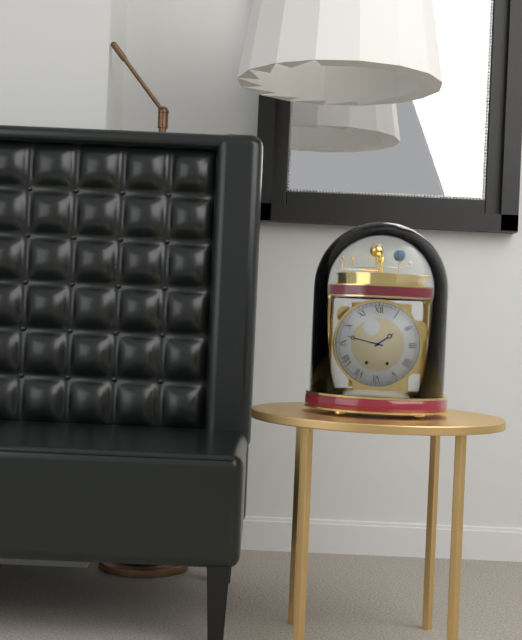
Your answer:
**1:47**
